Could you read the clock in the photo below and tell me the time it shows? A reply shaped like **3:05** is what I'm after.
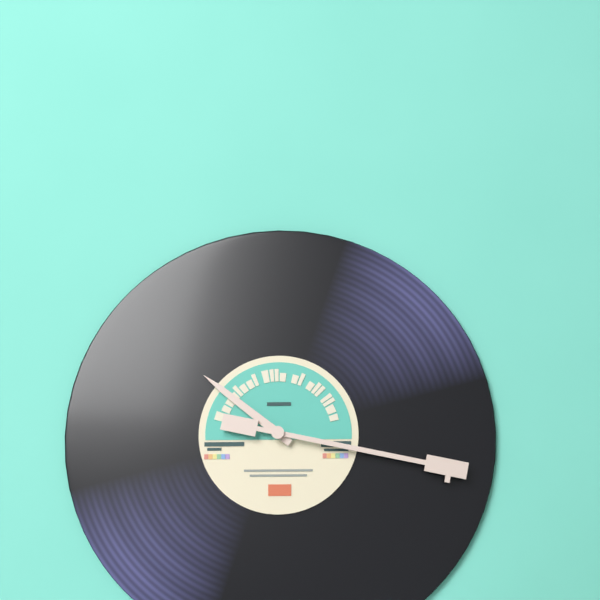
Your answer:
**10:17**
